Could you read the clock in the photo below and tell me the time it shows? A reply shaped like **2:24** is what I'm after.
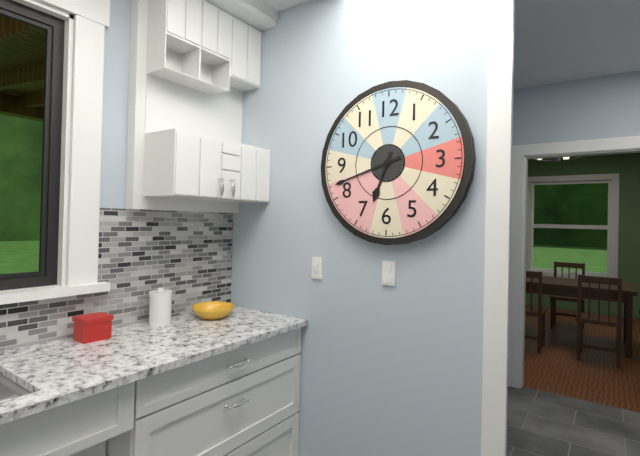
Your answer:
**6:42**
